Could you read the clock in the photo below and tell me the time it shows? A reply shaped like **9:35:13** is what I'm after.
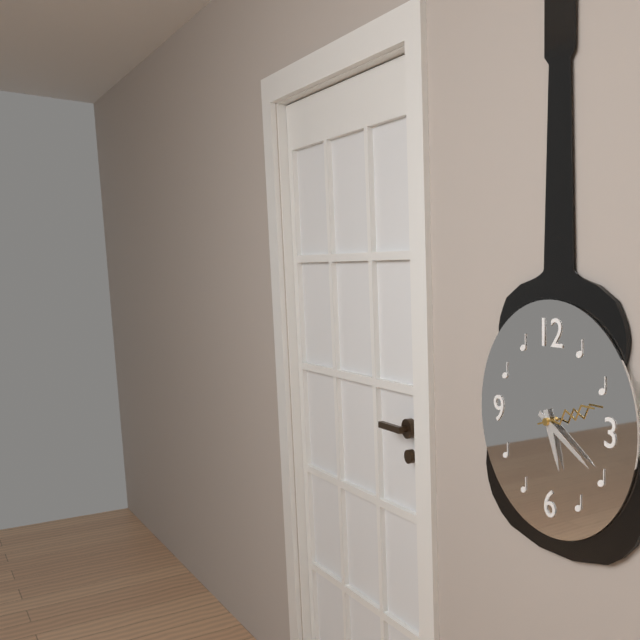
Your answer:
**5:20:12**
